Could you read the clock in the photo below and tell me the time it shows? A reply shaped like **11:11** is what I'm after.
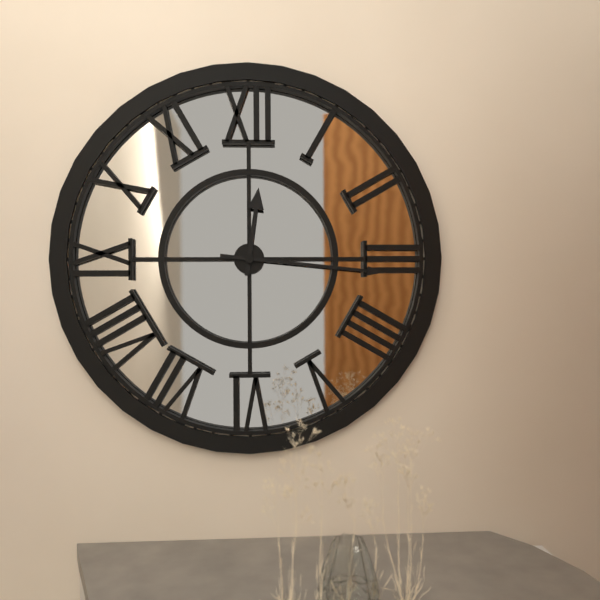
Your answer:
**12:16**
